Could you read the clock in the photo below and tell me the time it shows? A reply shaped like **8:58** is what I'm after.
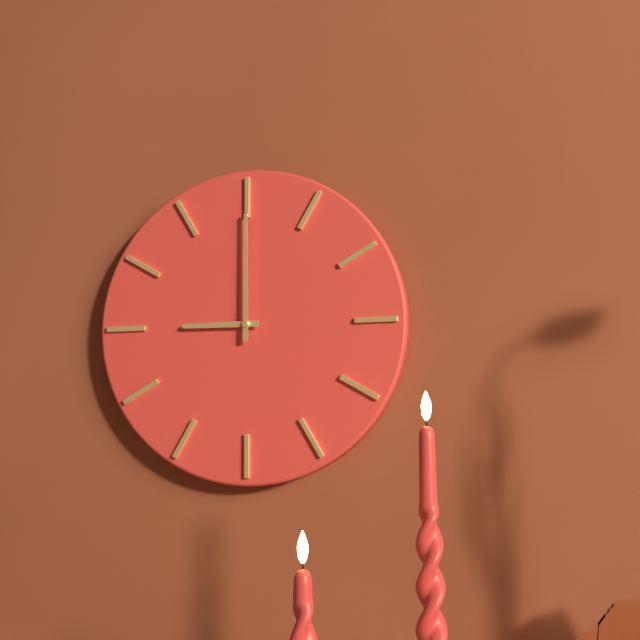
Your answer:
**9:00**
